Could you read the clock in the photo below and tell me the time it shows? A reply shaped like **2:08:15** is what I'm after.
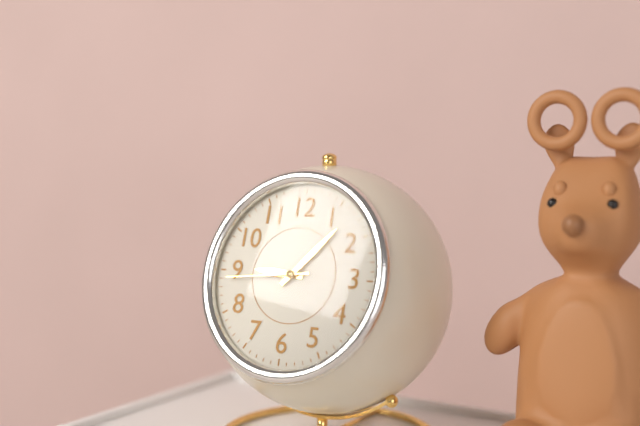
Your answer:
**9:07:44**
